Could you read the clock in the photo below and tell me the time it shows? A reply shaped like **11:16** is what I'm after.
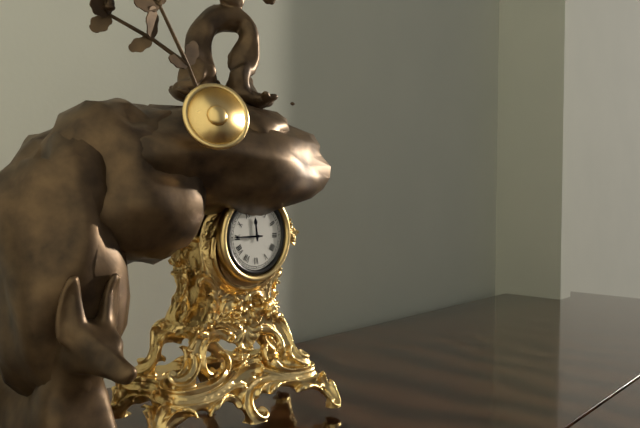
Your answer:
**11:45**
